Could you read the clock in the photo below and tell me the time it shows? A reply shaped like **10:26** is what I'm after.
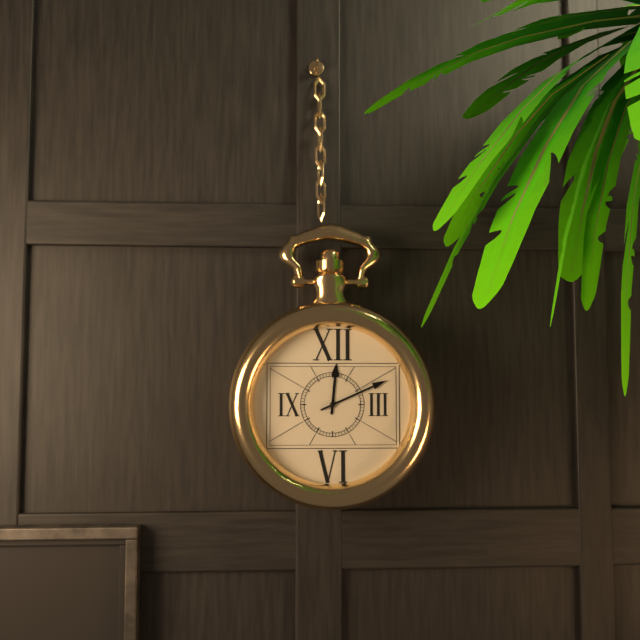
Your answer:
**12:11**
